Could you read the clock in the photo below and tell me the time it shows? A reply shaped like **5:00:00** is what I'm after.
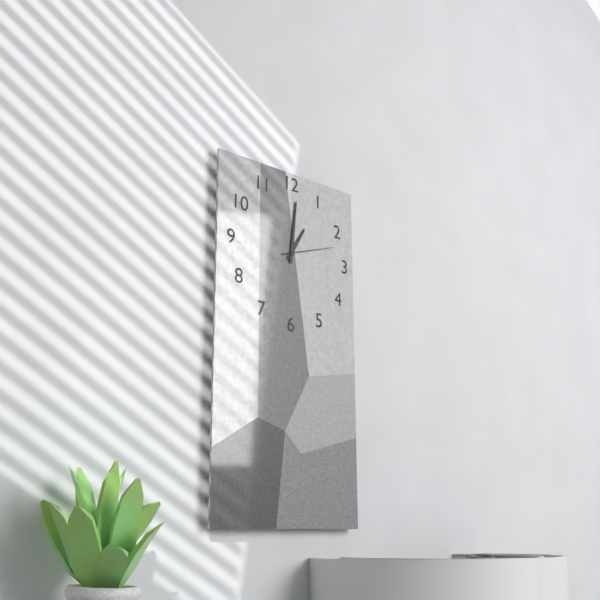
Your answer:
**1:01:12**
